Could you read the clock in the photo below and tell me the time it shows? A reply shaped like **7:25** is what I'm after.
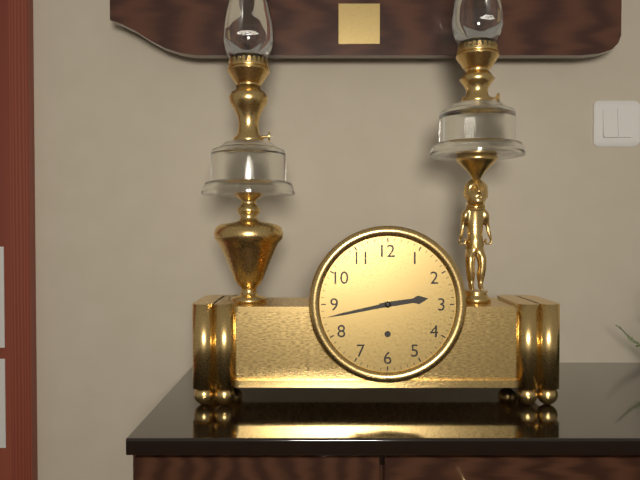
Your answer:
**2:43**
